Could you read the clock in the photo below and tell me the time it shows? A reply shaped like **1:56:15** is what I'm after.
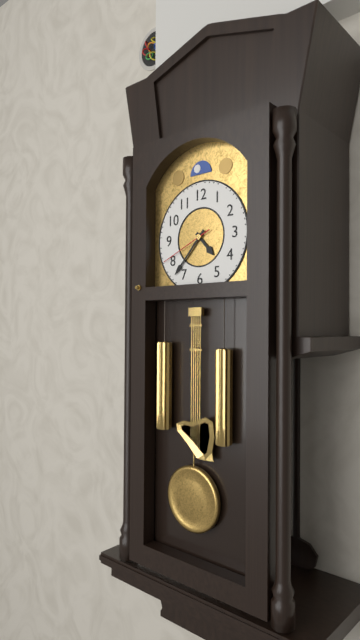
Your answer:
**4:37:41**
